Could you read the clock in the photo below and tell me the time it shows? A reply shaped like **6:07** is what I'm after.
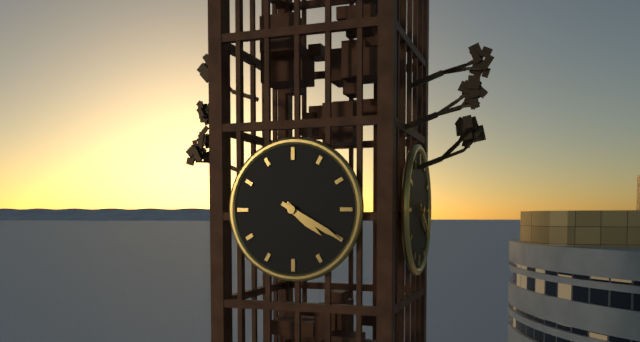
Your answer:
**4:20**
